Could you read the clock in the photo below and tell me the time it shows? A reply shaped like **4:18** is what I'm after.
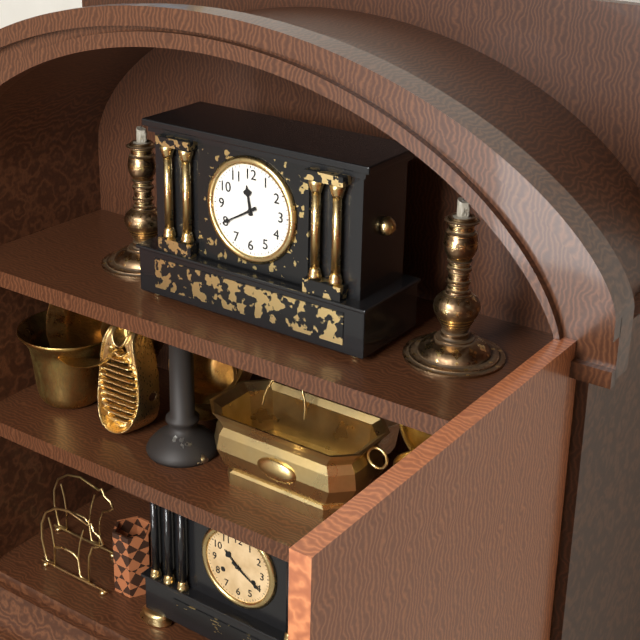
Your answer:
**11:40**
